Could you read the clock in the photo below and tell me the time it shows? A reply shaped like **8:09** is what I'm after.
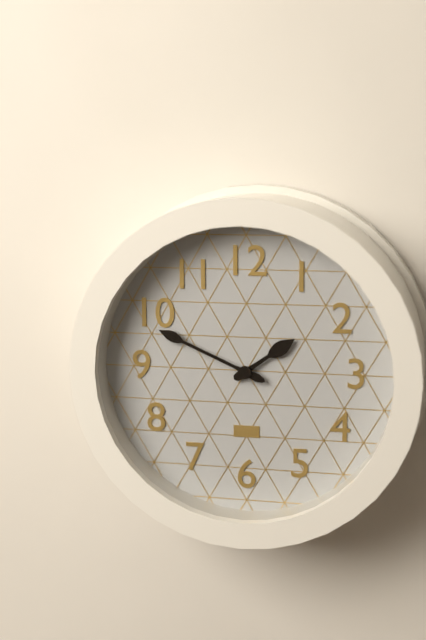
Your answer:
**1:49**
